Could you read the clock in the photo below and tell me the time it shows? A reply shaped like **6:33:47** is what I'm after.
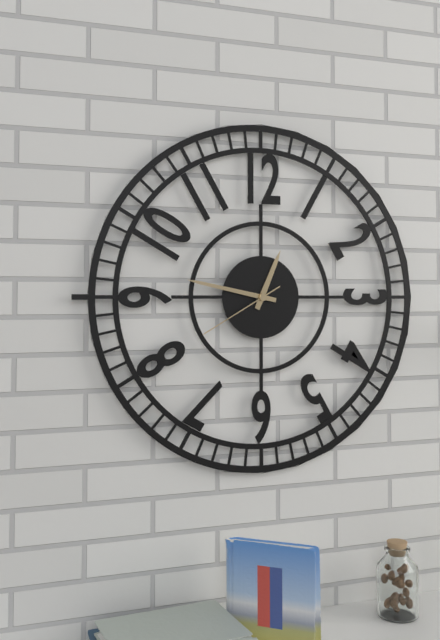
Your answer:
**12:47:40**
